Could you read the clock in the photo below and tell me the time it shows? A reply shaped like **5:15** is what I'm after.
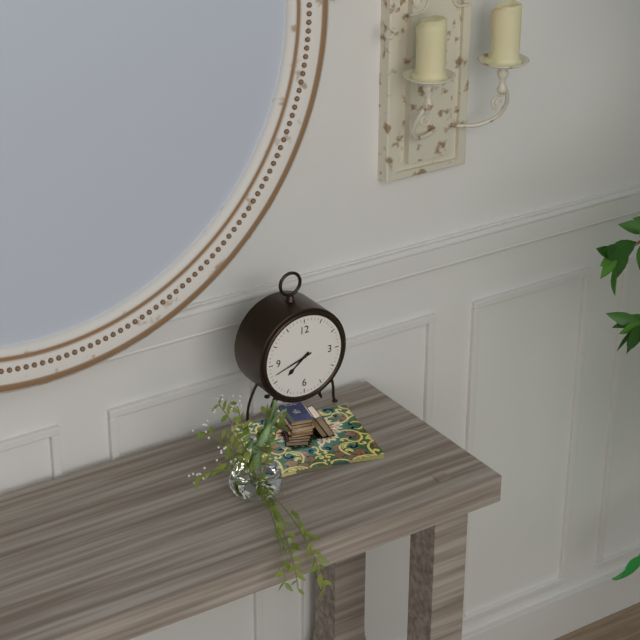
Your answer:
**7:42**
